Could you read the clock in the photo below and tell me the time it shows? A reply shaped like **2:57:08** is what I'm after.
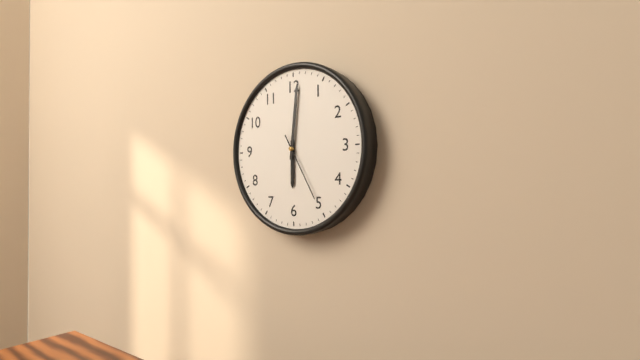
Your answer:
**6:01:25**
